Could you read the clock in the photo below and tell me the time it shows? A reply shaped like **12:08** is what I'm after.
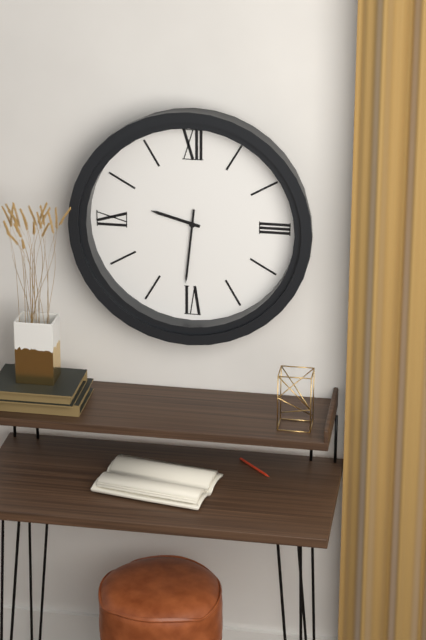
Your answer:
**9:31**
